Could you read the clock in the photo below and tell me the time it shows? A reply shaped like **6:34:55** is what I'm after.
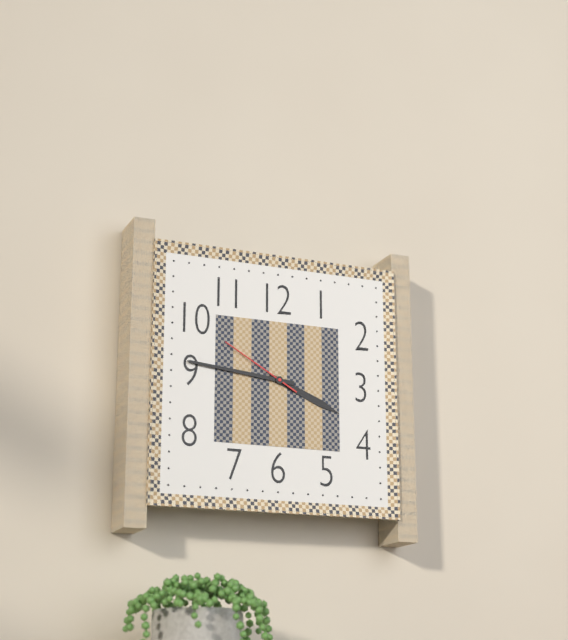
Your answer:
**3:46:50**
